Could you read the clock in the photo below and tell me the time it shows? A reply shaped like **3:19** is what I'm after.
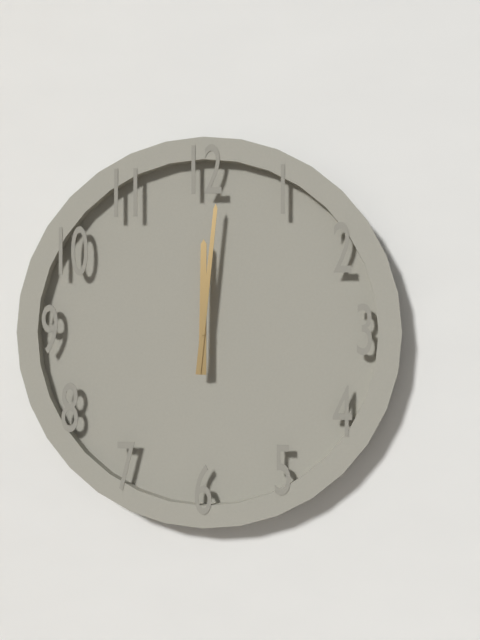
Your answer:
**12:01**
